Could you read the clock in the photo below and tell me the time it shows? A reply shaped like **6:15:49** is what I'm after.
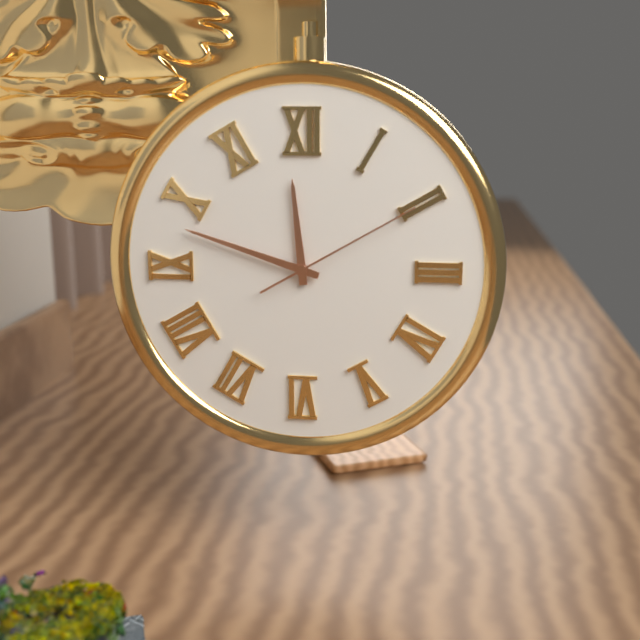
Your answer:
**11:48:10**
